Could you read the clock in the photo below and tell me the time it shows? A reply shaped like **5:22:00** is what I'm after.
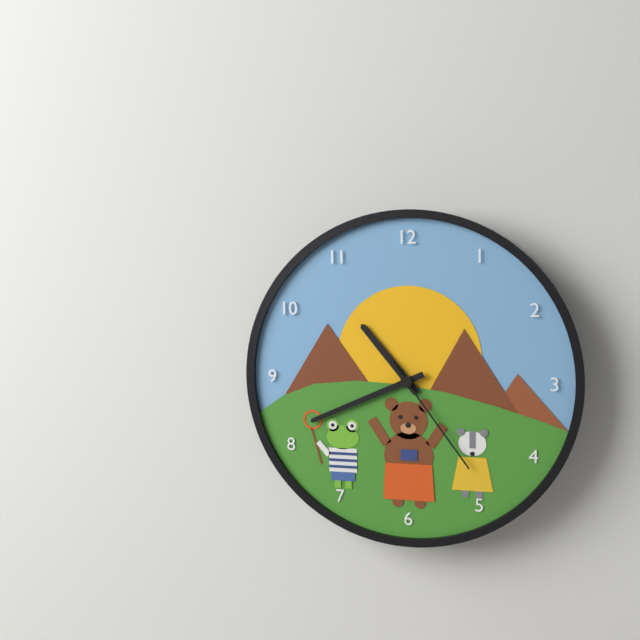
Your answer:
**10:41:24**
